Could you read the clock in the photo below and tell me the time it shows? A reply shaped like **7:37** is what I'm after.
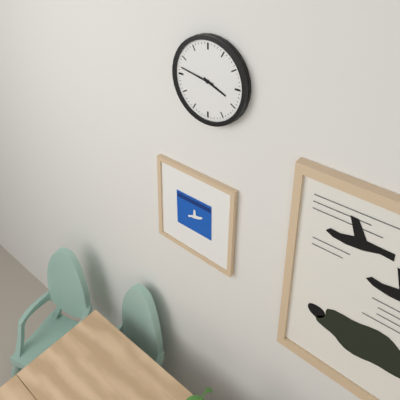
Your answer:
**3:47**
